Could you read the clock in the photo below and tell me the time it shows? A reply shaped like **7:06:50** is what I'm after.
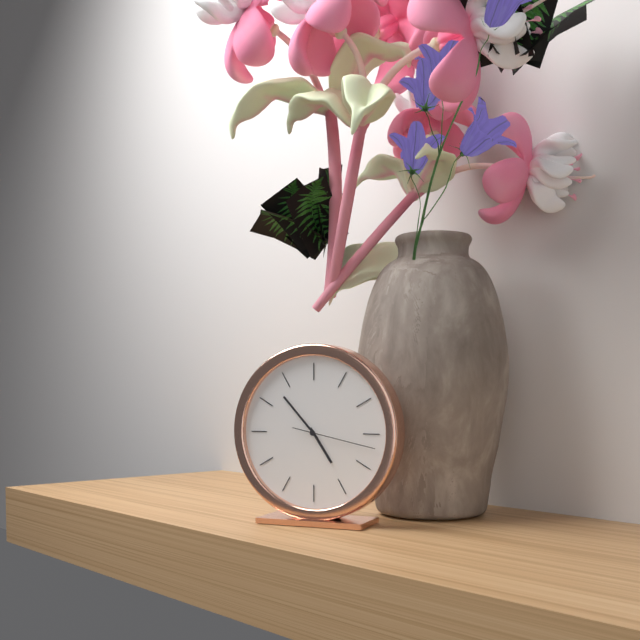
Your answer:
**4:53:17**
